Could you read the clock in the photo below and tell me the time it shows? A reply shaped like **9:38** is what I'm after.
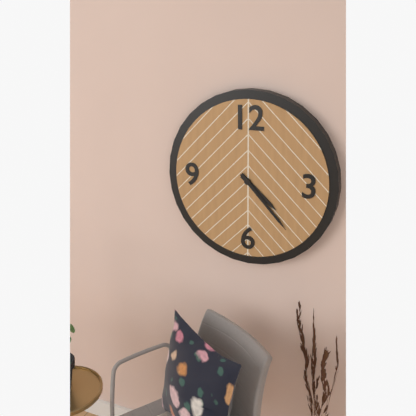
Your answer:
**4:23**
